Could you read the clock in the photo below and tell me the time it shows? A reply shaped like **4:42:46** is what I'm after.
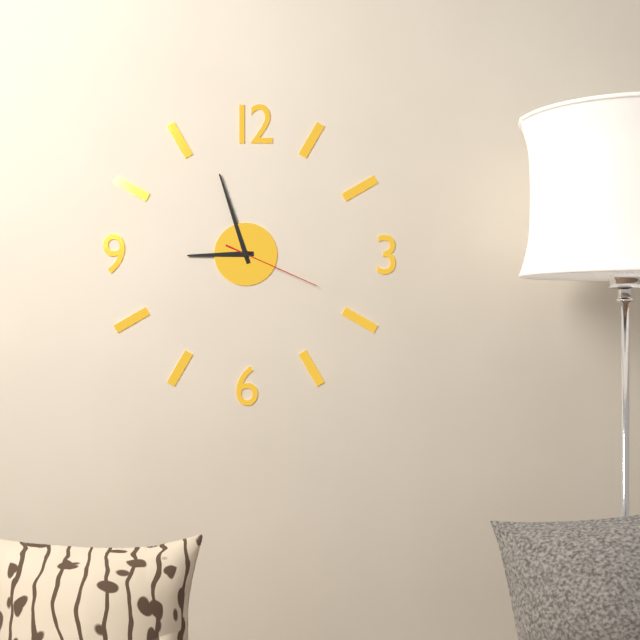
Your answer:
**8:57:19**
